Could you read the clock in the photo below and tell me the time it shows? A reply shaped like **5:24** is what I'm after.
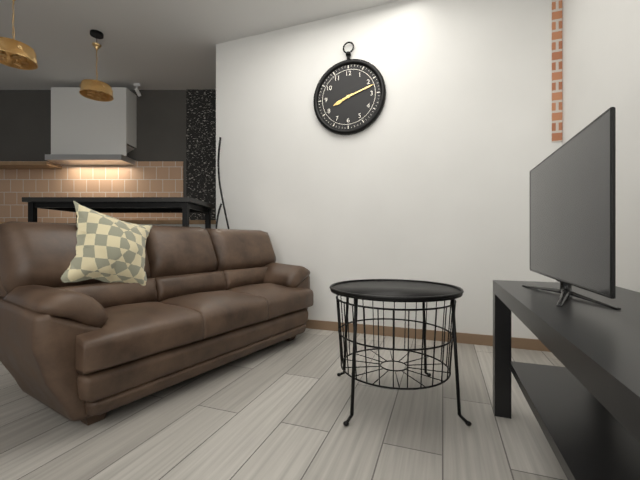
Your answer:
**8:12**
